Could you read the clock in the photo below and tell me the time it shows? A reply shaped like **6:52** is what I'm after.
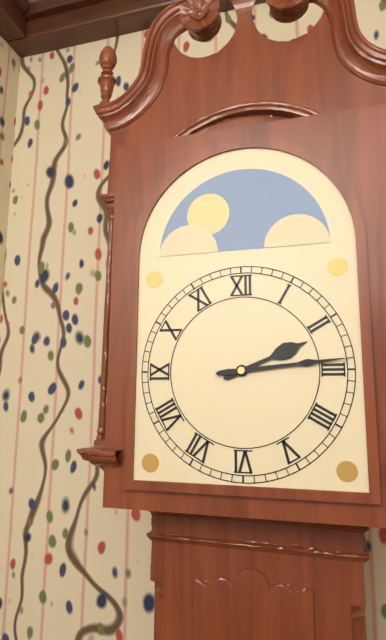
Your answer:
**2:14**
